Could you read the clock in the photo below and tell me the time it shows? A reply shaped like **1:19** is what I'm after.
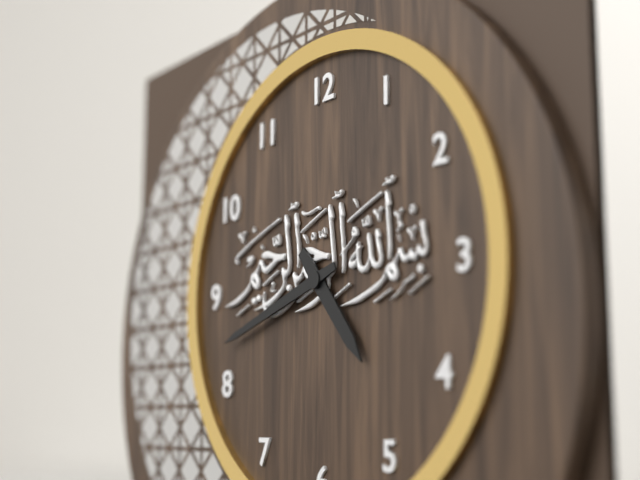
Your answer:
**4:42**
